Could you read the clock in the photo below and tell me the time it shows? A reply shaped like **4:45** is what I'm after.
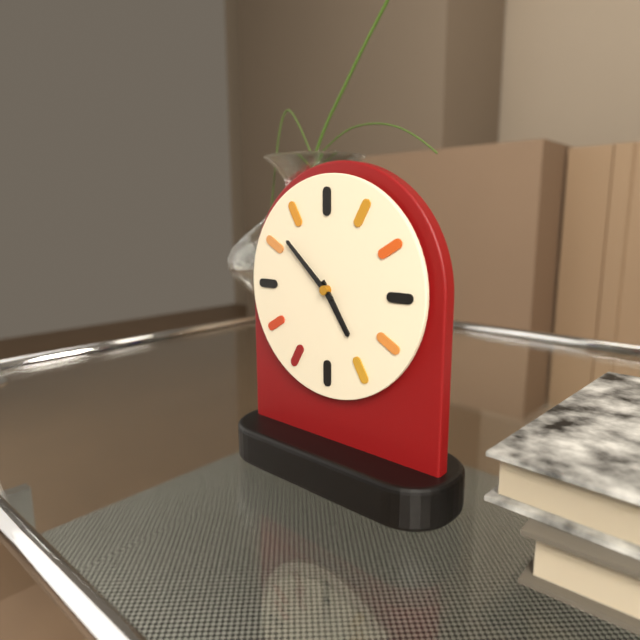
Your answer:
**4:52**
